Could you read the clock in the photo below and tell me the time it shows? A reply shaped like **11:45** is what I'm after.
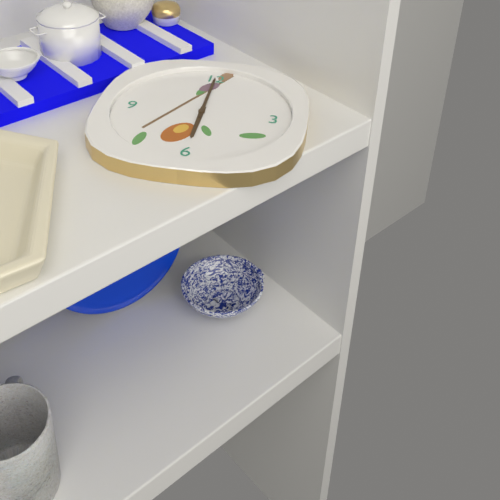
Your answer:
**6:00**
